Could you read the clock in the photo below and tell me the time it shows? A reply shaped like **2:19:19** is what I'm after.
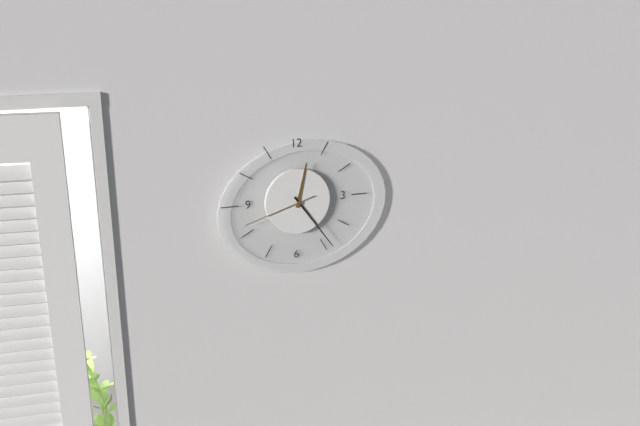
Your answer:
**12:24:42**
